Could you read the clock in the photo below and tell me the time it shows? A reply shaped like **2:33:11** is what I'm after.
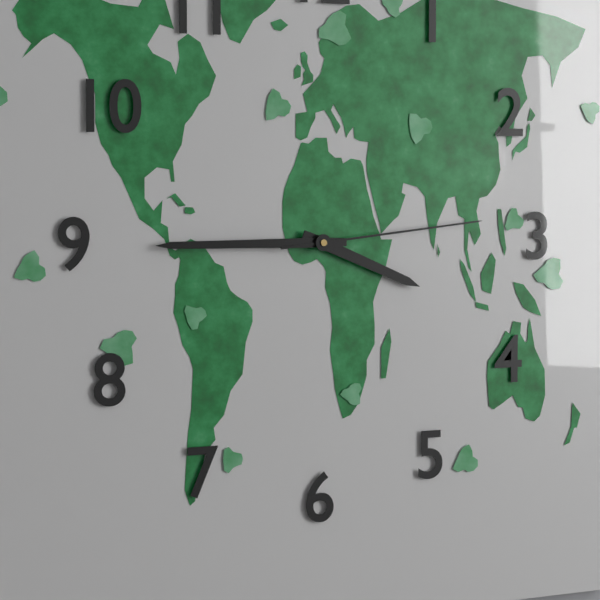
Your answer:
**3:45:14**
